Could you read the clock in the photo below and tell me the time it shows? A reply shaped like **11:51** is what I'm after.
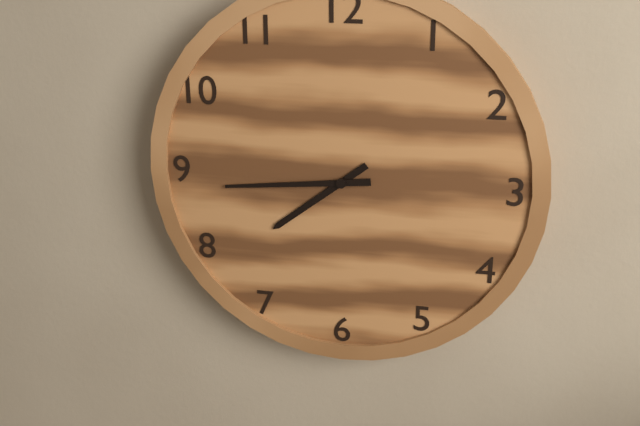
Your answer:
**7:44**
